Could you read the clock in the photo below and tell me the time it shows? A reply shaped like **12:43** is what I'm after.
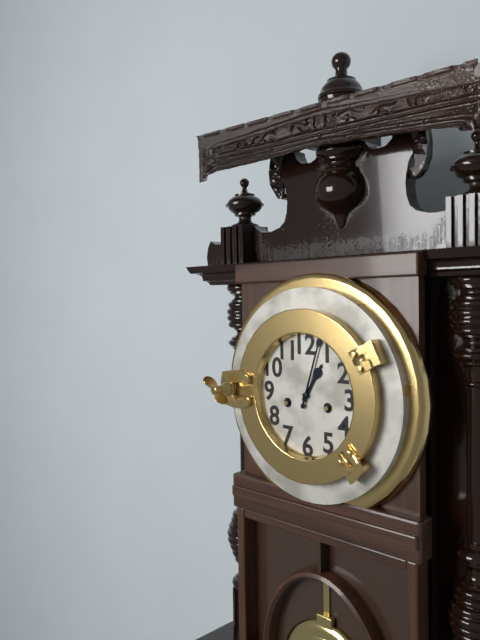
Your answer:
**1:03**
